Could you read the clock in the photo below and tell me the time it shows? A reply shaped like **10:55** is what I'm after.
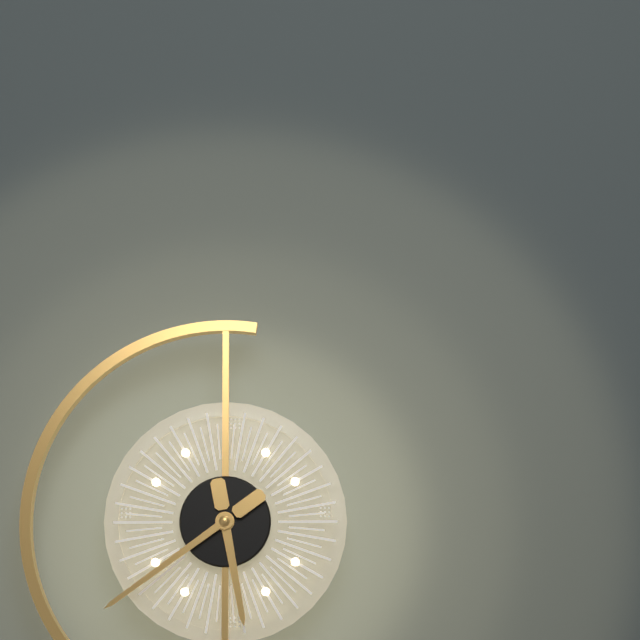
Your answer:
**5:39**
